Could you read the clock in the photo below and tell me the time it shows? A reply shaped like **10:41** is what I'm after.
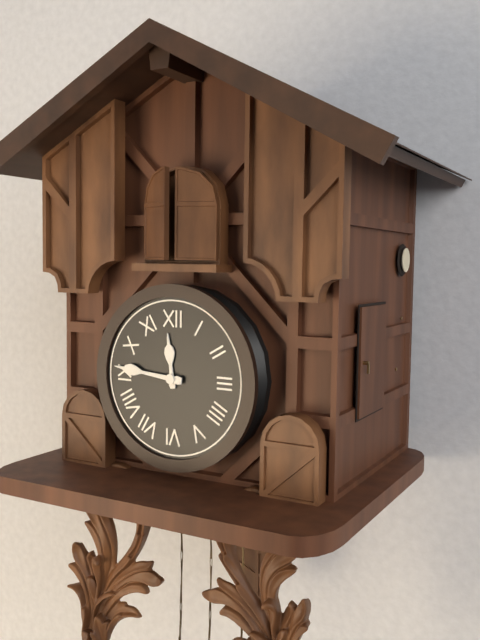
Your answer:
**11:46**
